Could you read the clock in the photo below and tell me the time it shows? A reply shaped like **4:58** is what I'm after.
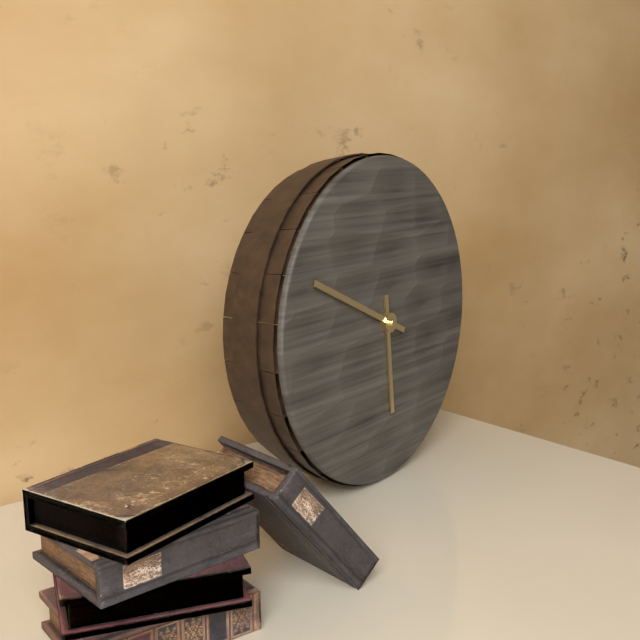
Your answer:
**5:49**
